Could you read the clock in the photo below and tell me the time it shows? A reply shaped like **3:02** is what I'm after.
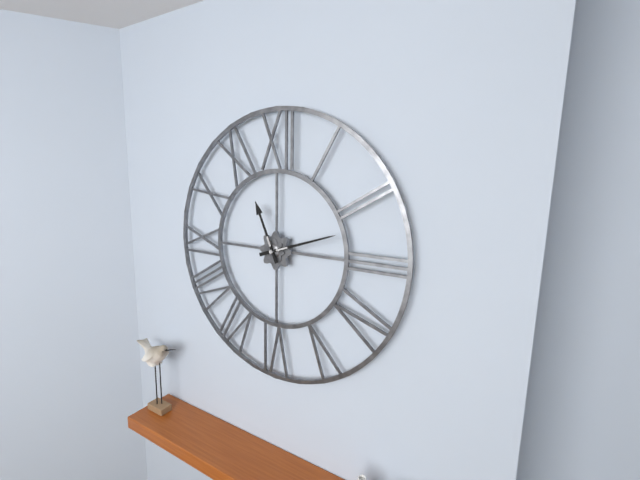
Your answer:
**11:12**
